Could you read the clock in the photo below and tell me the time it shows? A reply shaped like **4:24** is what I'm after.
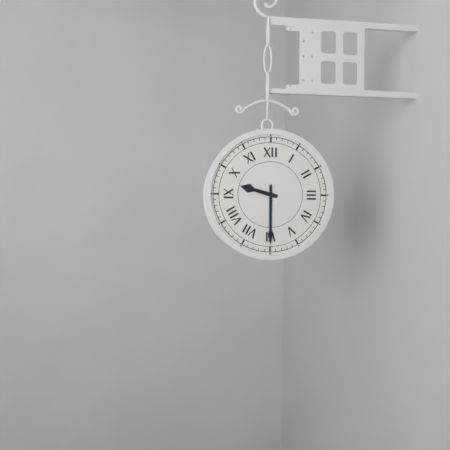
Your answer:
**9:30**
